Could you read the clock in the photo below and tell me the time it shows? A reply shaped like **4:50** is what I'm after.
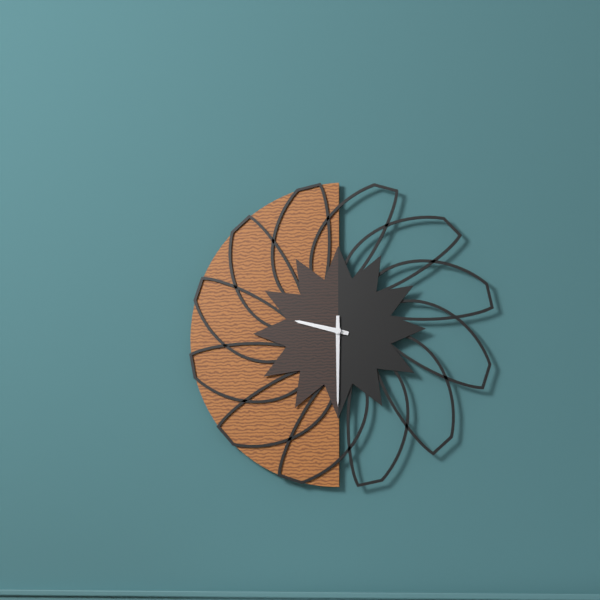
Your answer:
**9:30**
